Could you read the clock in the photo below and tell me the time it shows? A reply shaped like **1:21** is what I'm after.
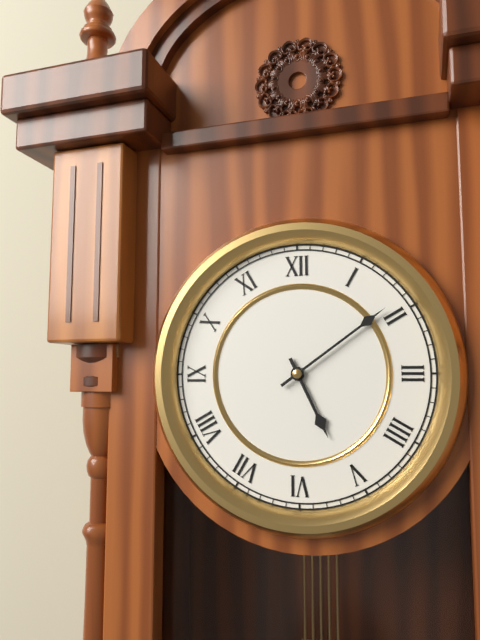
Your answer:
**5:09**
